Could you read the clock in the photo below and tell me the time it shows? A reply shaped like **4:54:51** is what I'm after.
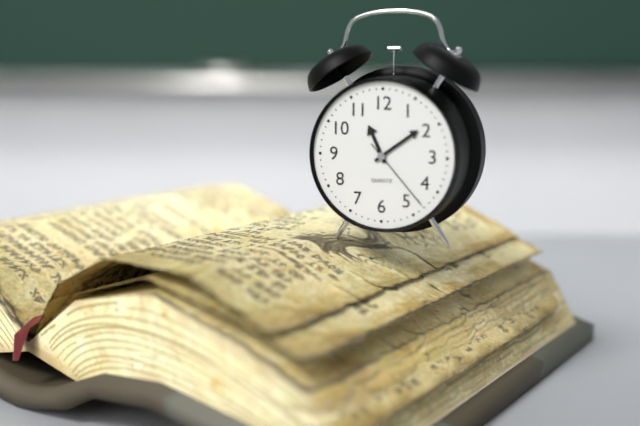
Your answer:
**11:09:23**
